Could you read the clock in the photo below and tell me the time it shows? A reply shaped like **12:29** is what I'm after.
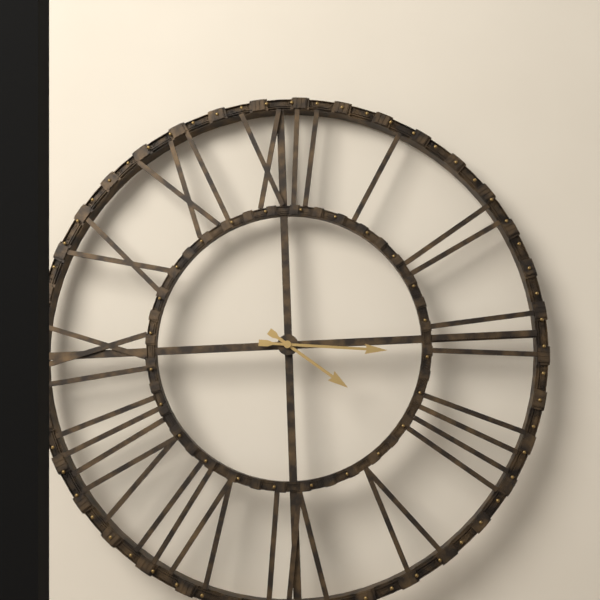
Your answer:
**4:16**
